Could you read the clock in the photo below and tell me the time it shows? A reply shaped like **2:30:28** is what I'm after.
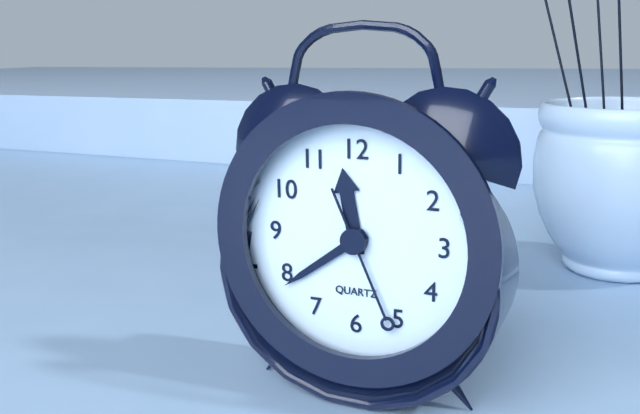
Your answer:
**11:39:26**
